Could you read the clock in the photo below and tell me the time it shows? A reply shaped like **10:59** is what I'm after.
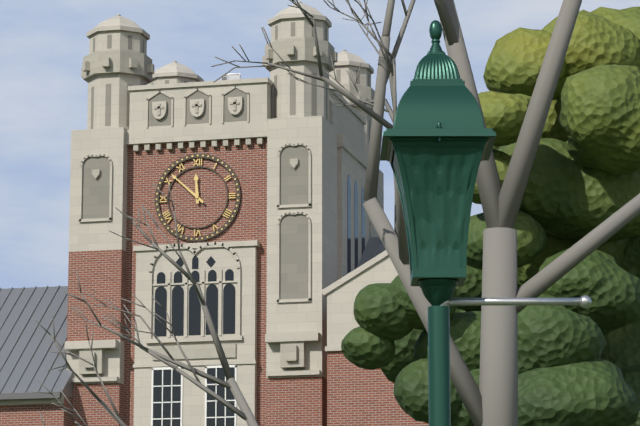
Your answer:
**11:52**
